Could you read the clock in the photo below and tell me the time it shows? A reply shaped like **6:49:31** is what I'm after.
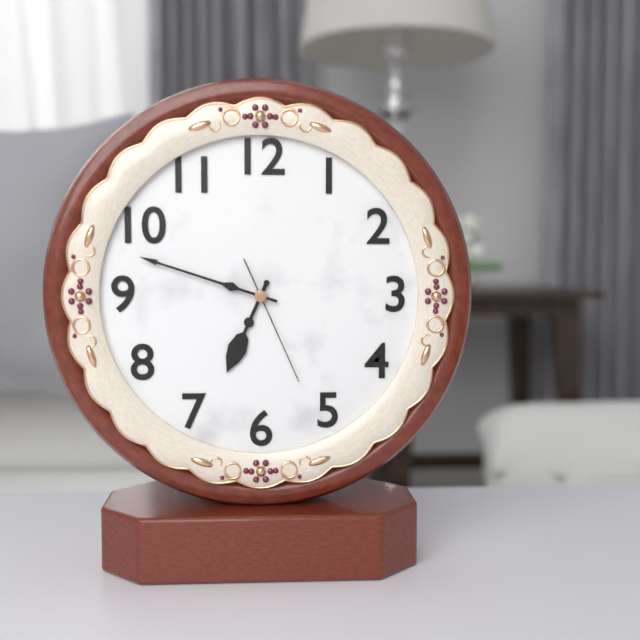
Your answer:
**6:48:26**
